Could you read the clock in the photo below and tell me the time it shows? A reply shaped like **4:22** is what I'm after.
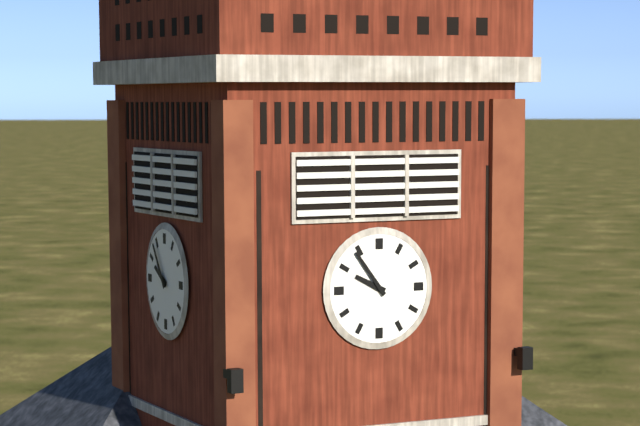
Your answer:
**9:54**
